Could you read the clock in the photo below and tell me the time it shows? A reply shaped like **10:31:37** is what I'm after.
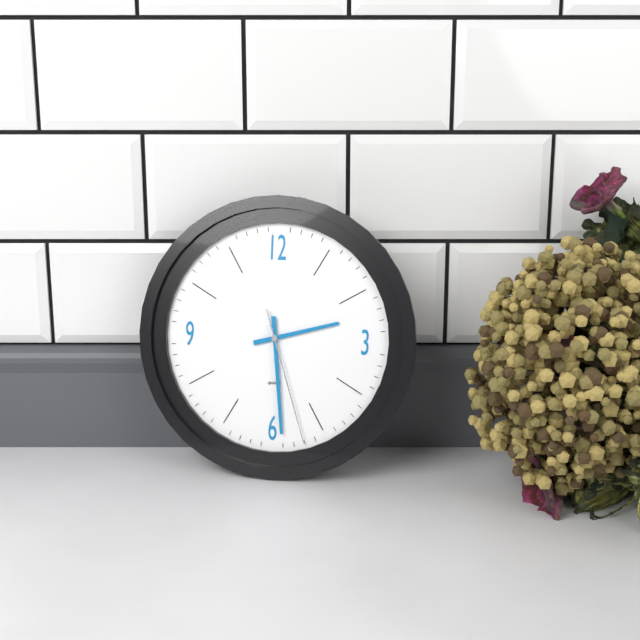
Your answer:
**2:29:27**
